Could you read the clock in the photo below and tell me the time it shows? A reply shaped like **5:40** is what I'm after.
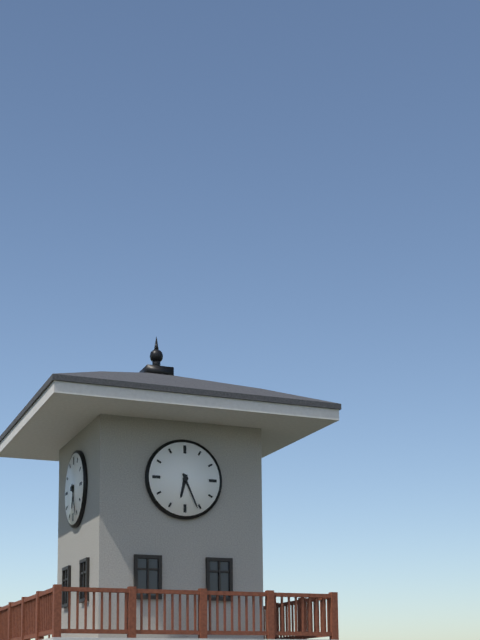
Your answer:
**6:26**
